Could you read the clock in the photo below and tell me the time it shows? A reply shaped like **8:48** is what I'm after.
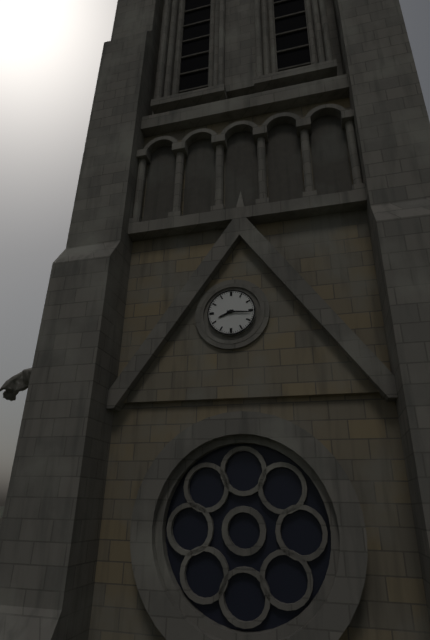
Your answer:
**8:16**
